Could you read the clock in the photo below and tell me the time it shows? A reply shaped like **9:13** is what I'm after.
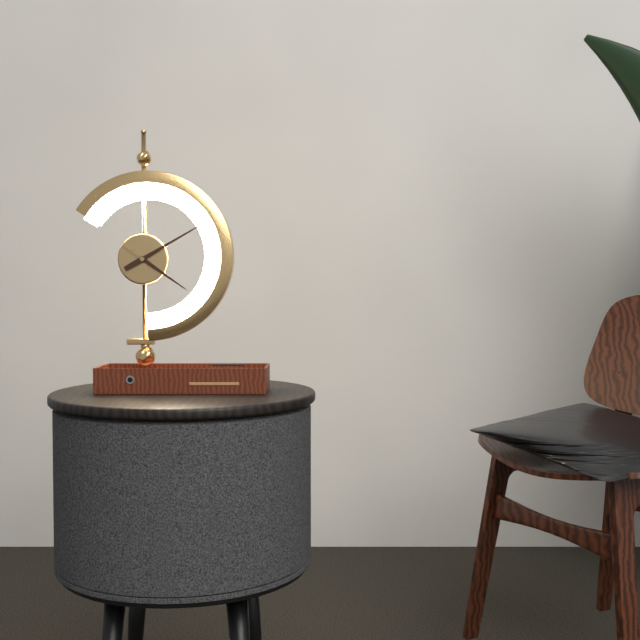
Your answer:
**4:10**
